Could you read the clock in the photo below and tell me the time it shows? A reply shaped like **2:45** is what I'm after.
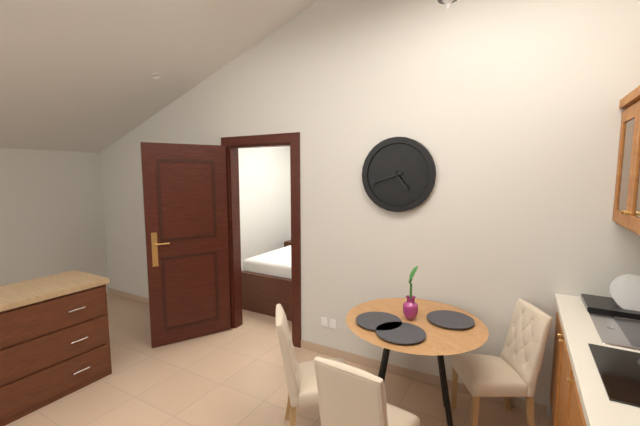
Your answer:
**4:42**
